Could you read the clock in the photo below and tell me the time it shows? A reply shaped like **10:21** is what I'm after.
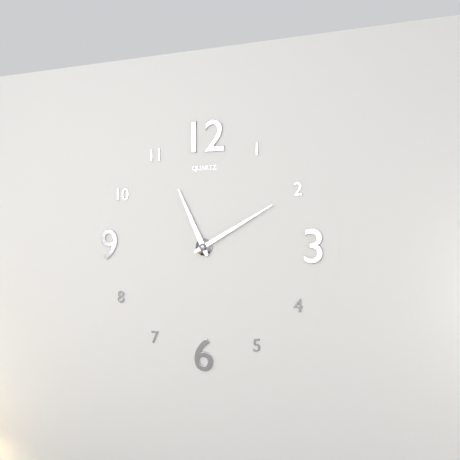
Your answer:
**11:10**
